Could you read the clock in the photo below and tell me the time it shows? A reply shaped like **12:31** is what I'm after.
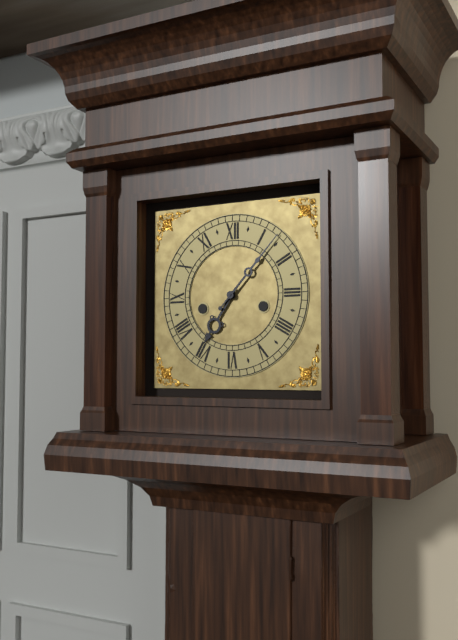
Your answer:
**7:07**
